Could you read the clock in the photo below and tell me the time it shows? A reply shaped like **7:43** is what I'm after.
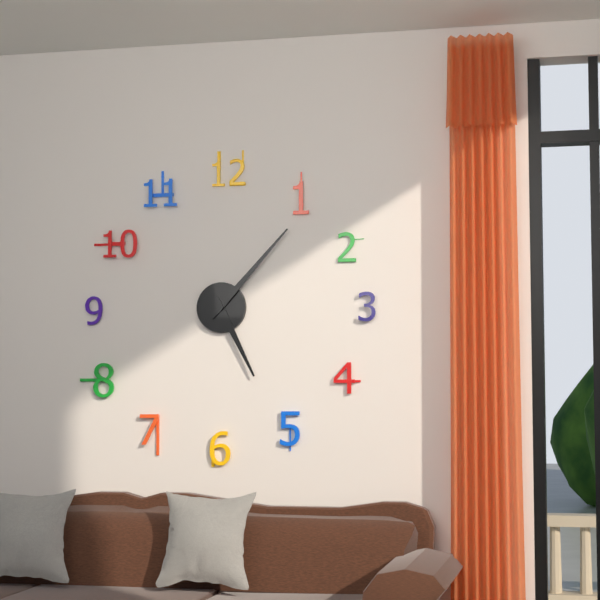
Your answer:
**5:07**
